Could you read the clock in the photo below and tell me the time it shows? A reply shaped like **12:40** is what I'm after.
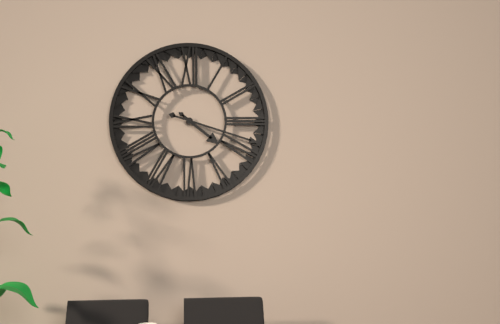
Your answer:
**4:18**
